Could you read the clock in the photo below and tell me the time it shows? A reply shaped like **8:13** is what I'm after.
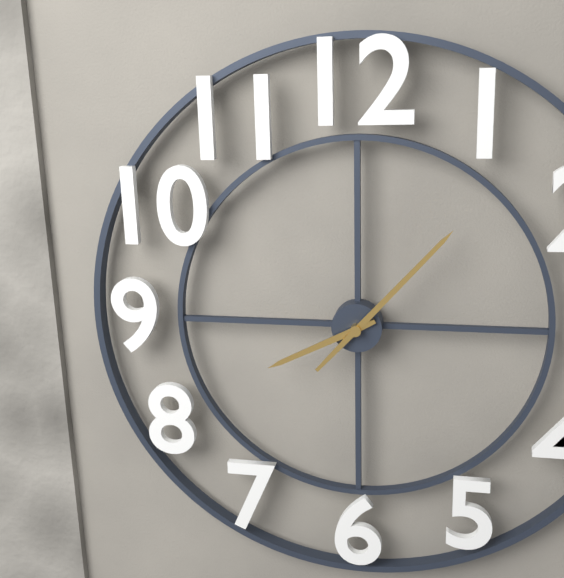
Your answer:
**8:07**
